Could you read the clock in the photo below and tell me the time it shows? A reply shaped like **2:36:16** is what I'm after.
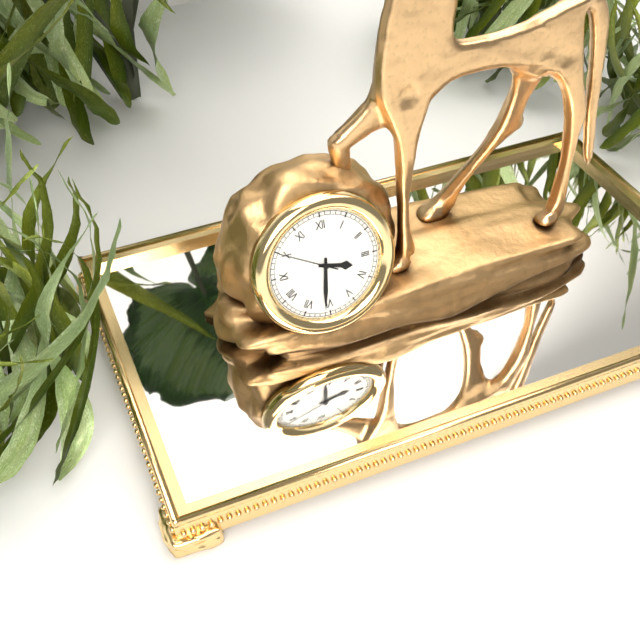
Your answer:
**3:31:50**
